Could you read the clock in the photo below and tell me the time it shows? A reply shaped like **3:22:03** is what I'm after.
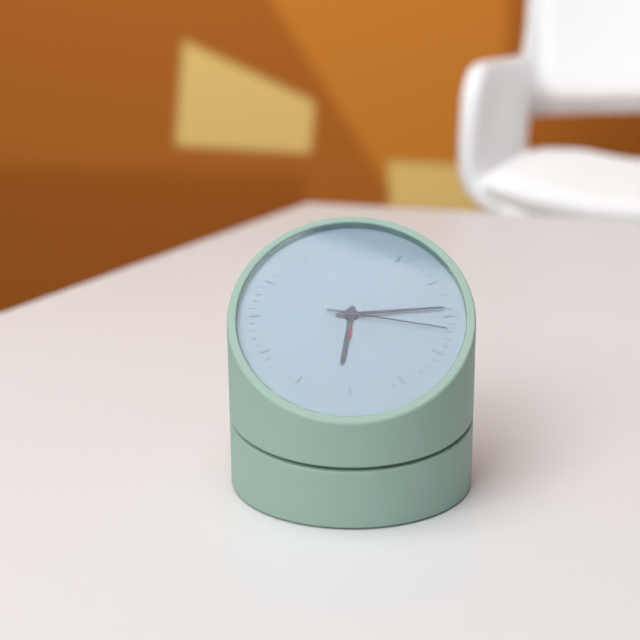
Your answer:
**6:14:17**
